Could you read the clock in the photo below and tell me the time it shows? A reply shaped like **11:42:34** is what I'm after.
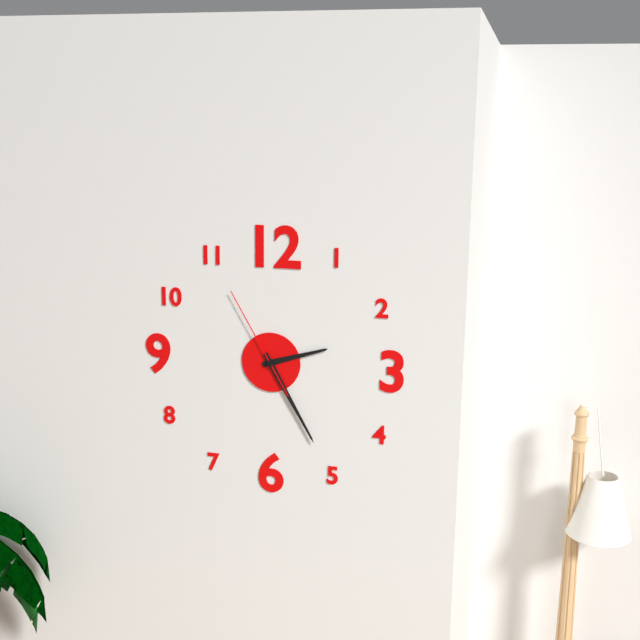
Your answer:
**2:25:55**
